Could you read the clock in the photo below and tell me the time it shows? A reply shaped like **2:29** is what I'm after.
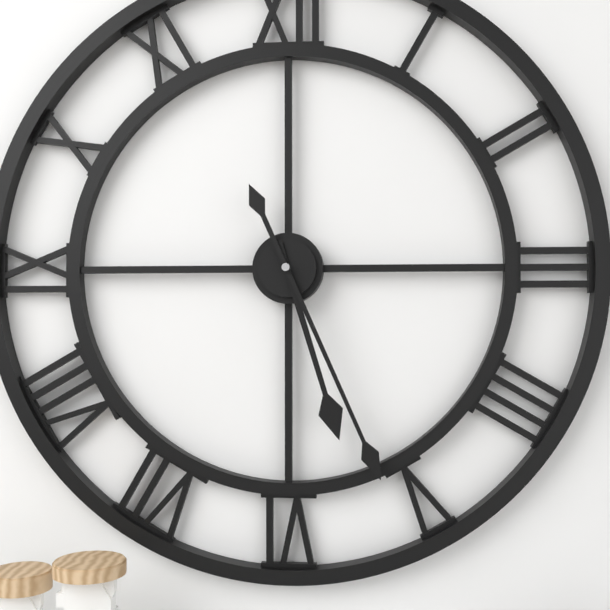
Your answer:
**5:26**
